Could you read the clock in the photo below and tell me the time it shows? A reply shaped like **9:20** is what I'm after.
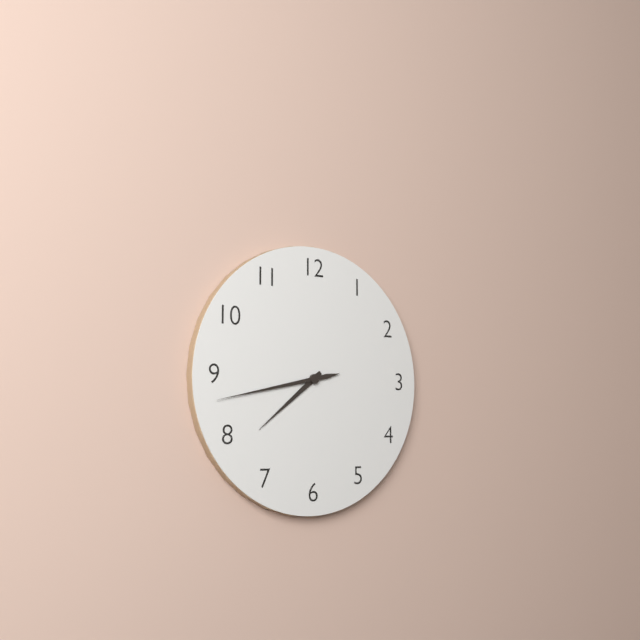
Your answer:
**7:43**
